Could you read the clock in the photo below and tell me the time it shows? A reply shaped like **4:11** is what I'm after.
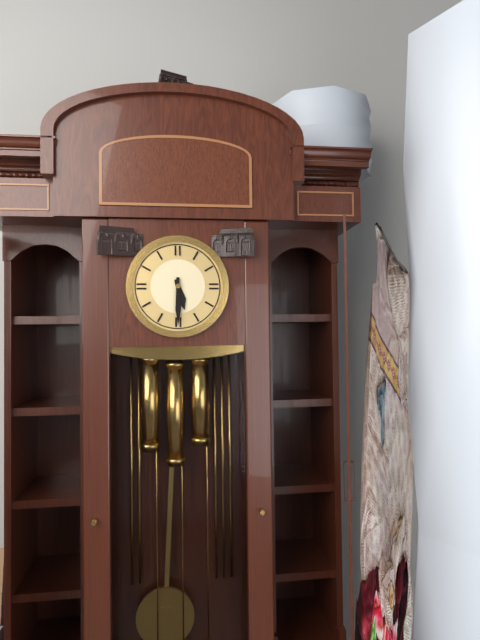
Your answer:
**5:30**
